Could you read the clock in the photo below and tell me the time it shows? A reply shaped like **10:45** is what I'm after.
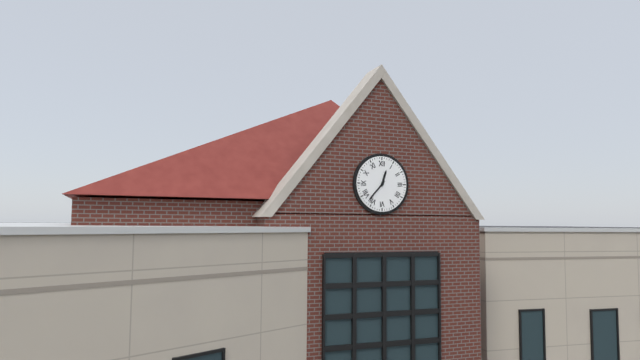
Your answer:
**12:37**
